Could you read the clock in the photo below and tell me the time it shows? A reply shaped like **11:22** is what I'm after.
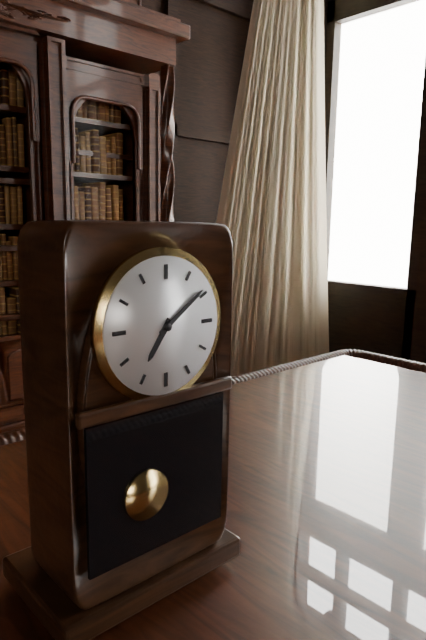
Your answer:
**7:09**
